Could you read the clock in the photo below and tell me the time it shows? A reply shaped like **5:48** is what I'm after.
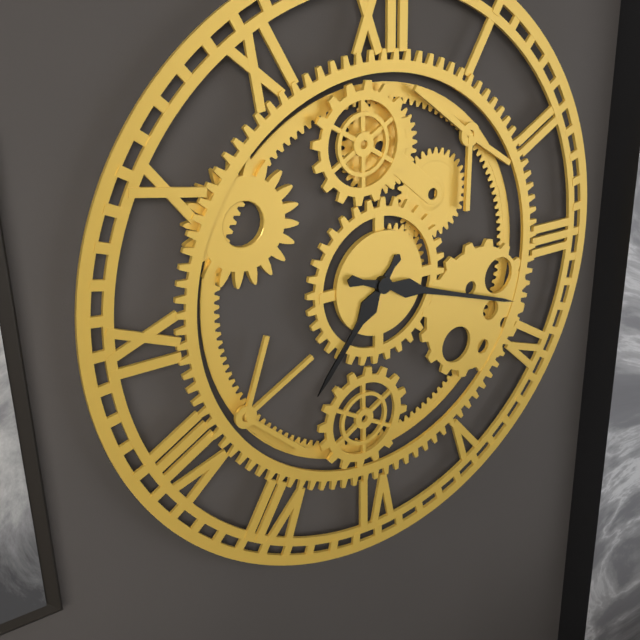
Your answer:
**7:18**
